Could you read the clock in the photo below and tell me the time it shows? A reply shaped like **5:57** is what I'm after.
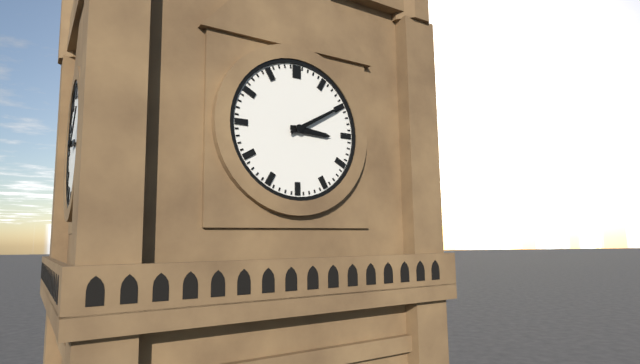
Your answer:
**3:10**
